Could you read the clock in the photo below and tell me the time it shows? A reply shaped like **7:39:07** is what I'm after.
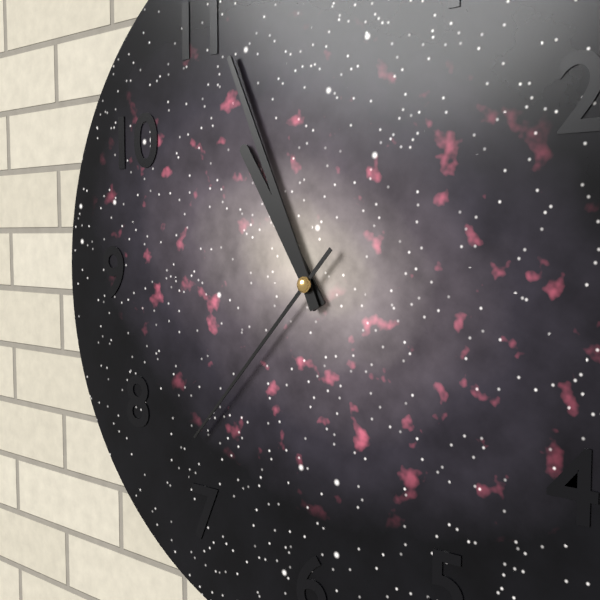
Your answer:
**10:56:37**
